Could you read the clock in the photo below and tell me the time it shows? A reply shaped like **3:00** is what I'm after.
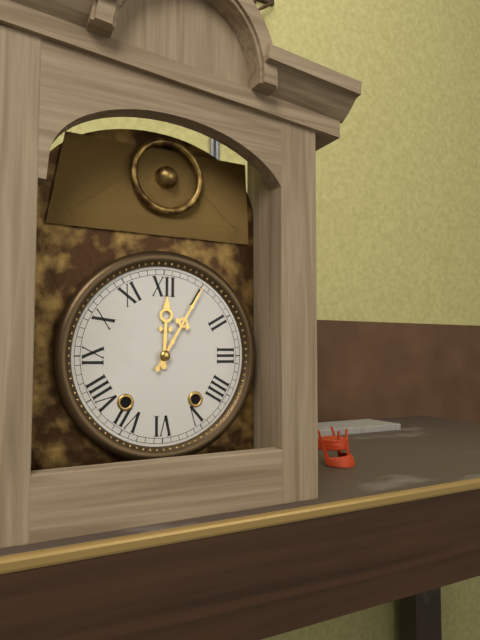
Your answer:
**12:05**
